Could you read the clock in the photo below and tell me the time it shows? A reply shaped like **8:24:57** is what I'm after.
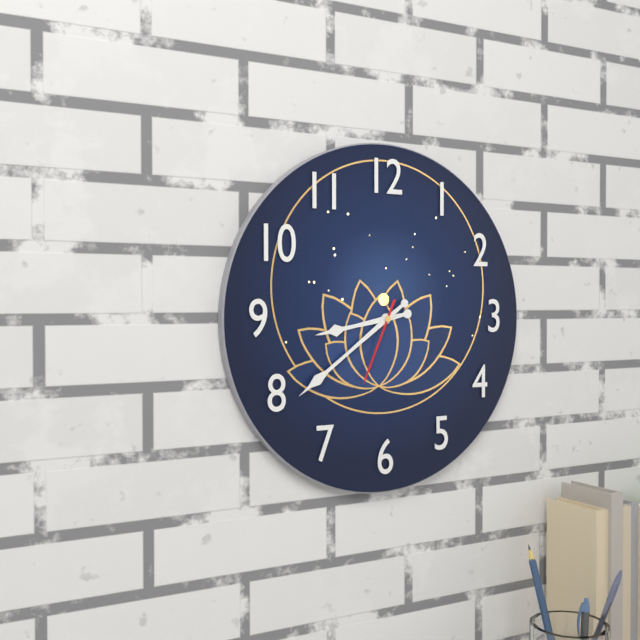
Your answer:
**8:39:34**
